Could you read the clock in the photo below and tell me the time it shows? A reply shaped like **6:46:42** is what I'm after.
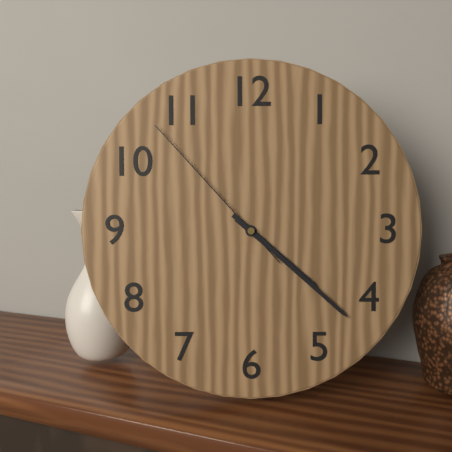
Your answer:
**4:22:53**
